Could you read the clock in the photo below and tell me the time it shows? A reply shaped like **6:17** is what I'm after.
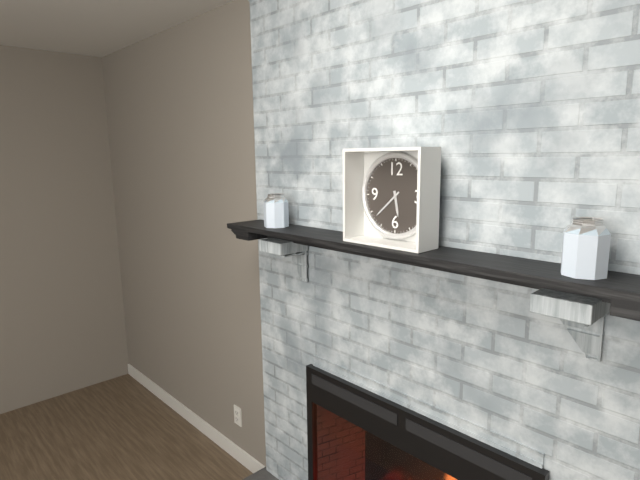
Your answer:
**5:38**
